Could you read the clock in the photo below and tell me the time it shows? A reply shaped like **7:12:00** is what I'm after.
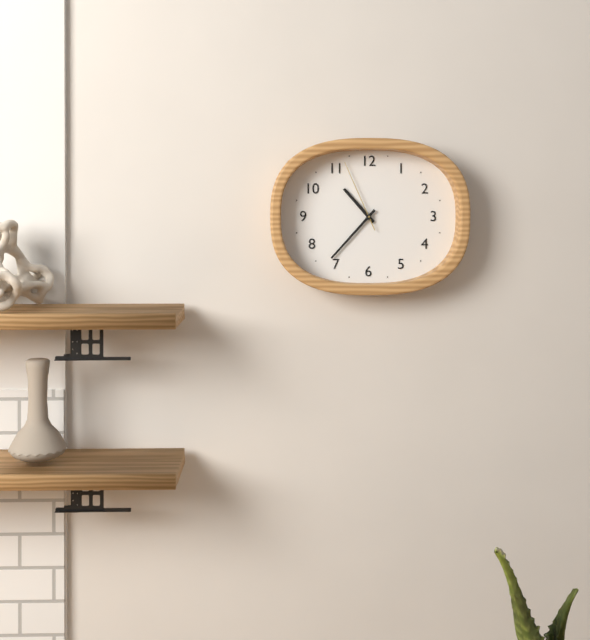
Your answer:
**10:37:56**
